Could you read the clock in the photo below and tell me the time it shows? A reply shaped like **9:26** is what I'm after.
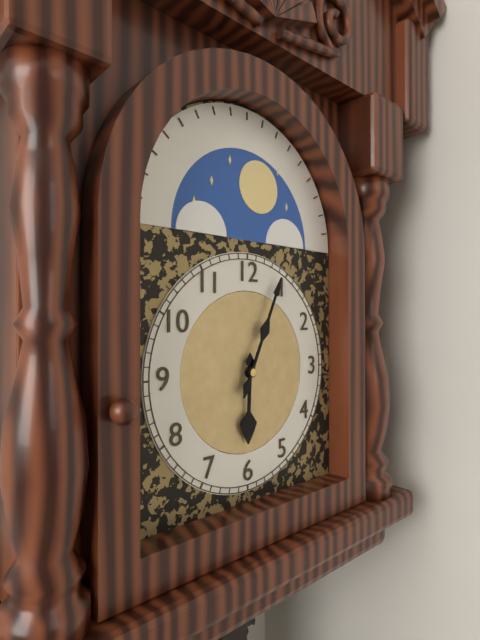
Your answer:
**6:04**
